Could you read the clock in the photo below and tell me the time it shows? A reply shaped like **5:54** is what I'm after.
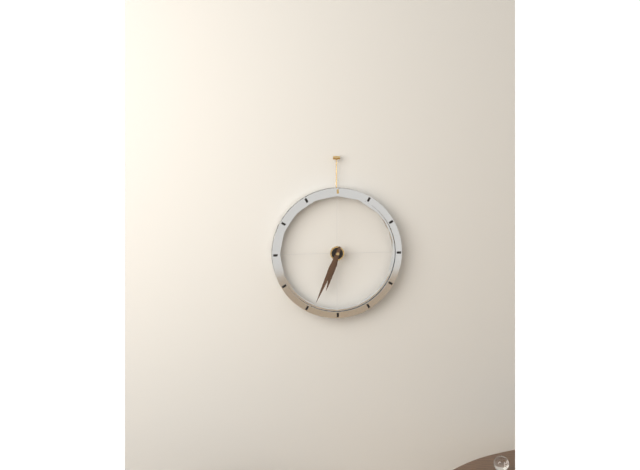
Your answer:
**6:34**
